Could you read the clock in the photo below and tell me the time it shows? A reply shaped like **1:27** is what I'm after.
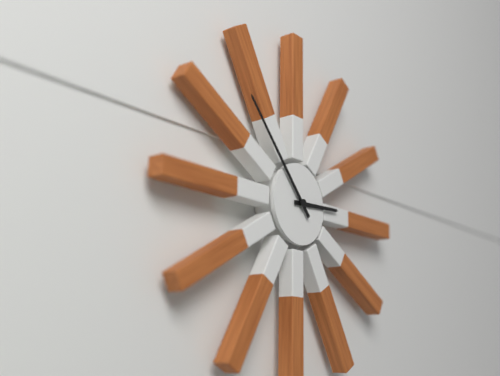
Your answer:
**2:53**
